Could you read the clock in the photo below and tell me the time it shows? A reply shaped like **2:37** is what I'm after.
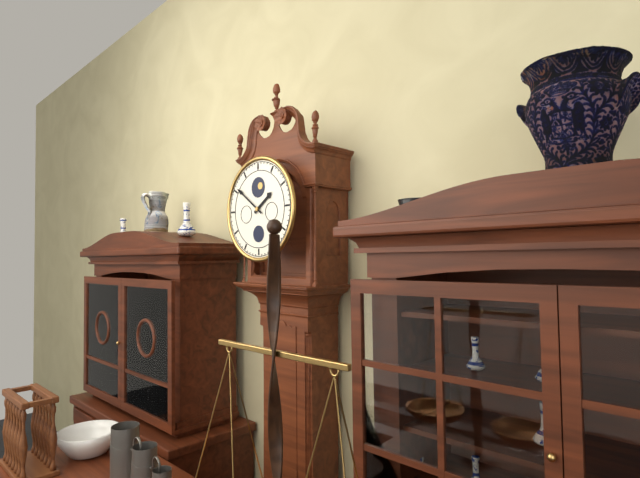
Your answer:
**1:51**
